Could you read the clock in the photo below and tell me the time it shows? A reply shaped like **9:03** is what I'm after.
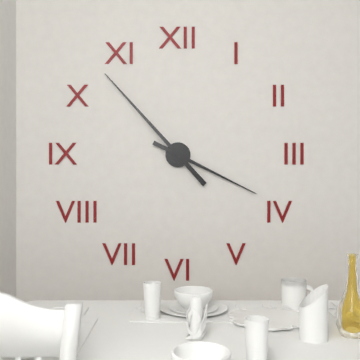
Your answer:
**3:53**
